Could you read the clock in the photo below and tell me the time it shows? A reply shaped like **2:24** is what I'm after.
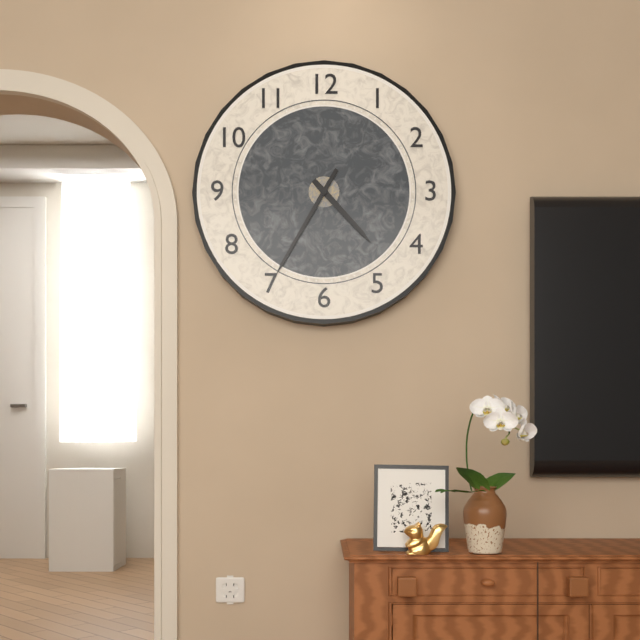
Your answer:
**4:35**
